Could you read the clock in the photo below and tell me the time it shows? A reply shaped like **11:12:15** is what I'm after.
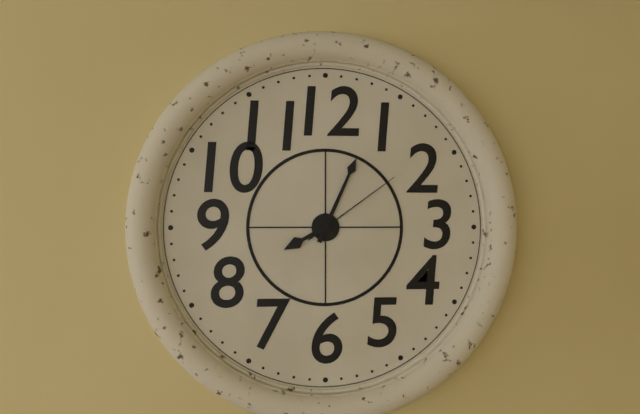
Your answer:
**8:04:09**
